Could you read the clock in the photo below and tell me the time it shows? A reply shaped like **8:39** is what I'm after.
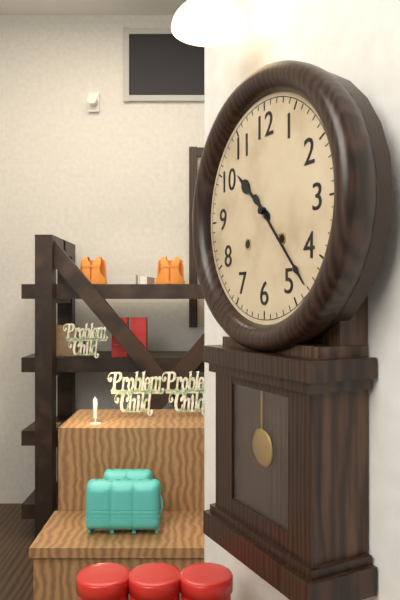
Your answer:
**10:23**
